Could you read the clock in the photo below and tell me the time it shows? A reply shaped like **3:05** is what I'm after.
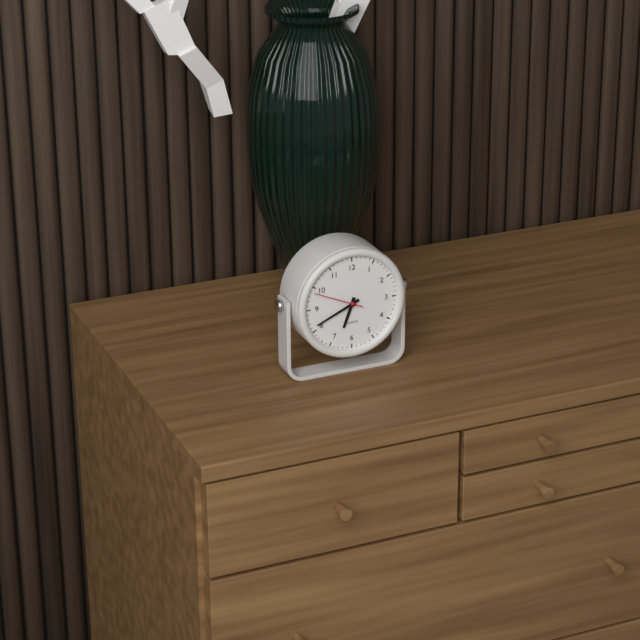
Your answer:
**6:41**
